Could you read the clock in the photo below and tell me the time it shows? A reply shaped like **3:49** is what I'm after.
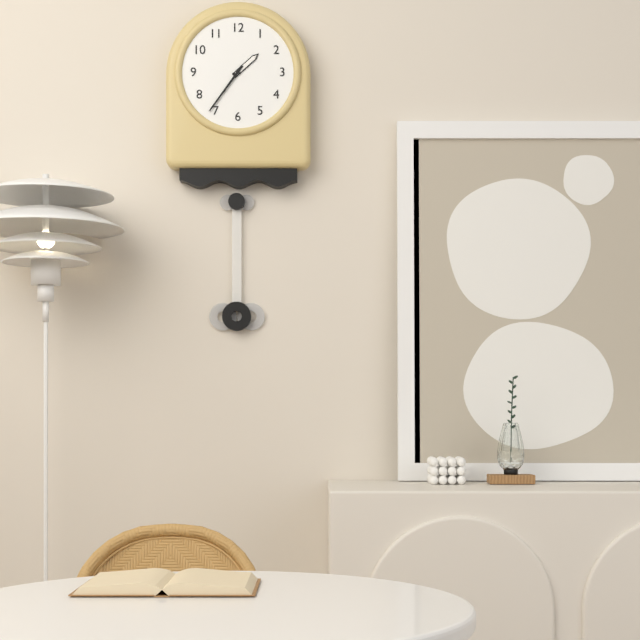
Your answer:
**1:36**
